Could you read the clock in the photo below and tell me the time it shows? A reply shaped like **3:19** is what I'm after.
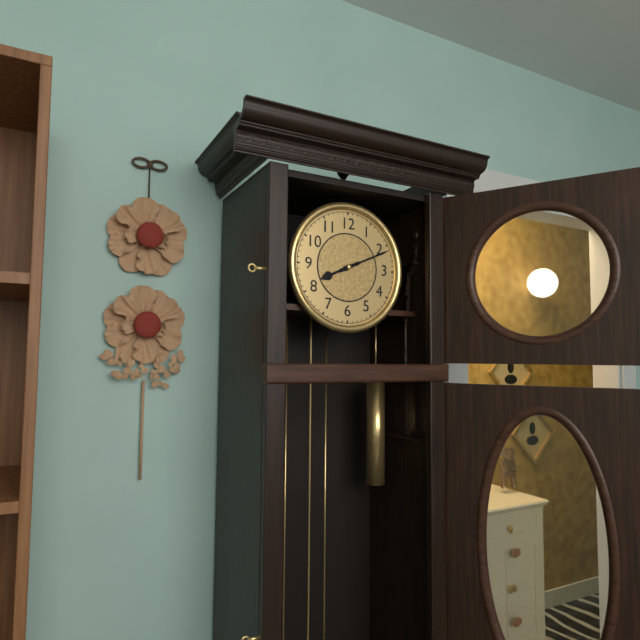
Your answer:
**8:11**
